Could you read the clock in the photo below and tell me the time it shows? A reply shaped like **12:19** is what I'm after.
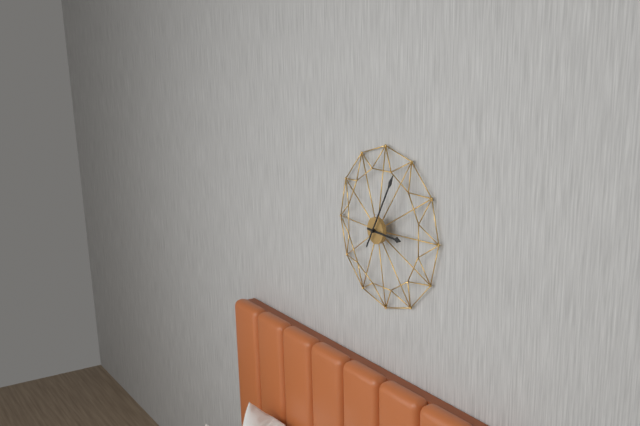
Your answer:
**3:05**
